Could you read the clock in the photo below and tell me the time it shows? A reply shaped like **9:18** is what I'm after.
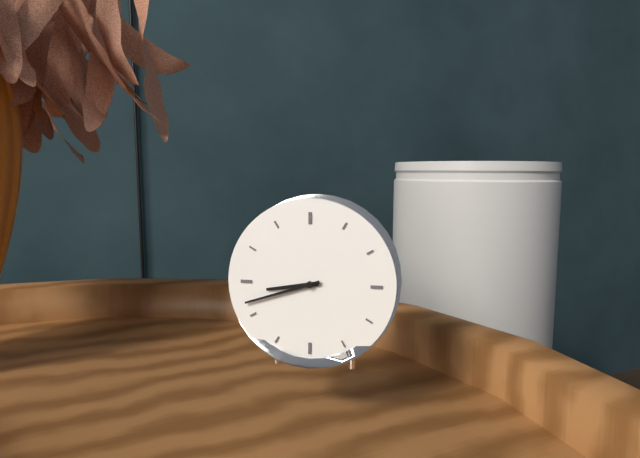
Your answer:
**8:42**
